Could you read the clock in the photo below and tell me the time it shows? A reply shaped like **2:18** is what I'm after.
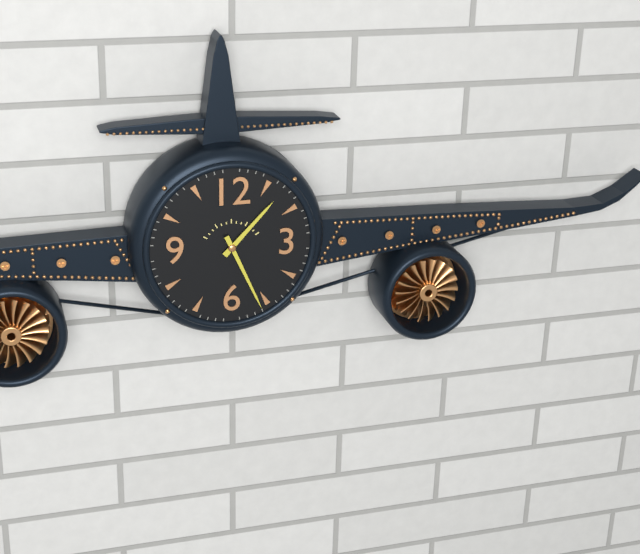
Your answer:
**1:26**
